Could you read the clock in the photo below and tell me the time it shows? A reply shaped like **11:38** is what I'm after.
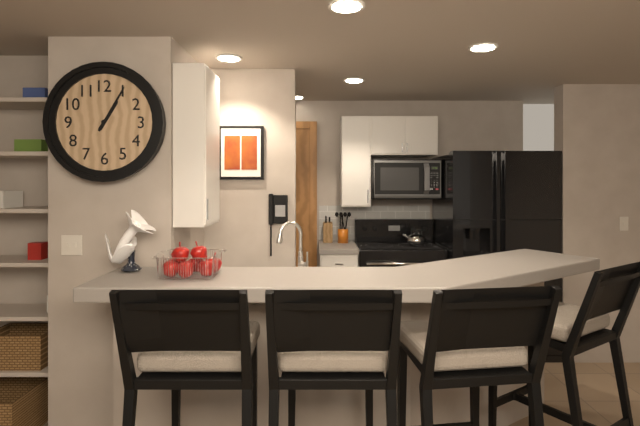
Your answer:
**1:05**
